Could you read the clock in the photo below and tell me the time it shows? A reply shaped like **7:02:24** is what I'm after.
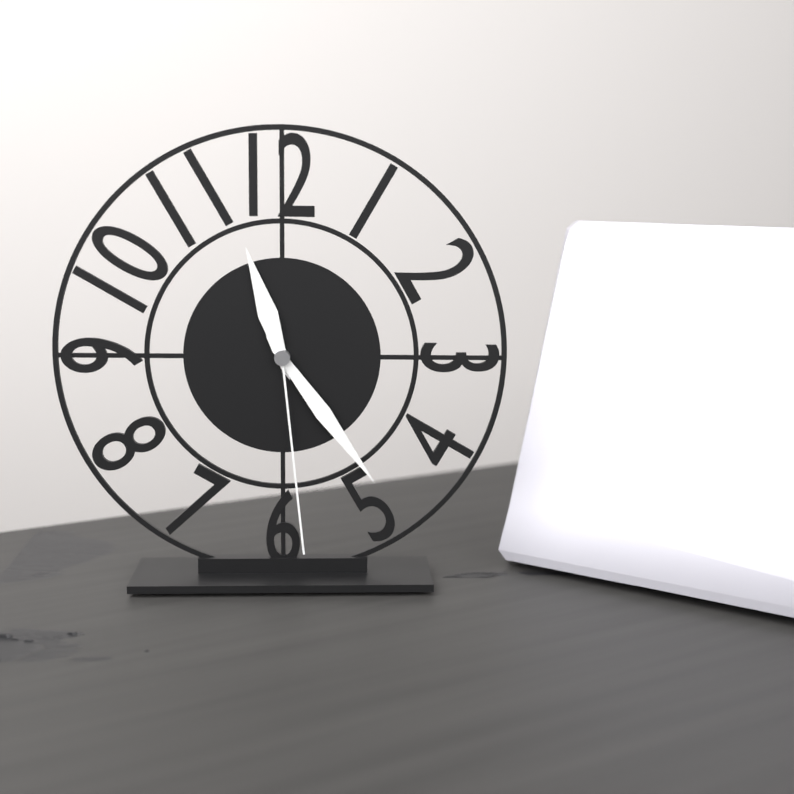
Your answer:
**11:24:29**
